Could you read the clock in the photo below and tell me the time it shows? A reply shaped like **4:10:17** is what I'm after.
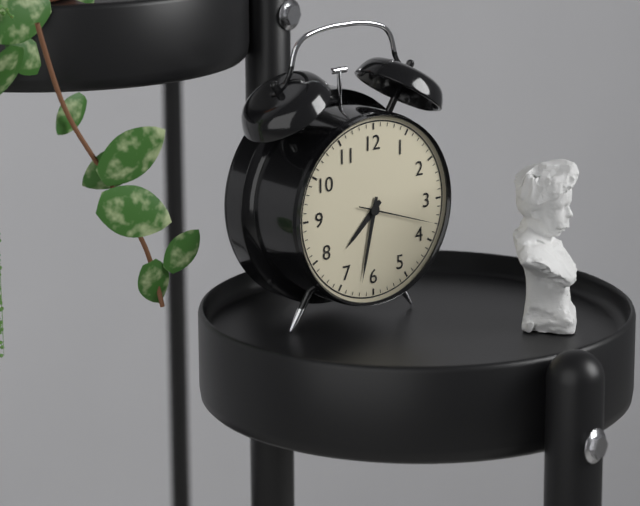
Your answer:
**7:32:18**
